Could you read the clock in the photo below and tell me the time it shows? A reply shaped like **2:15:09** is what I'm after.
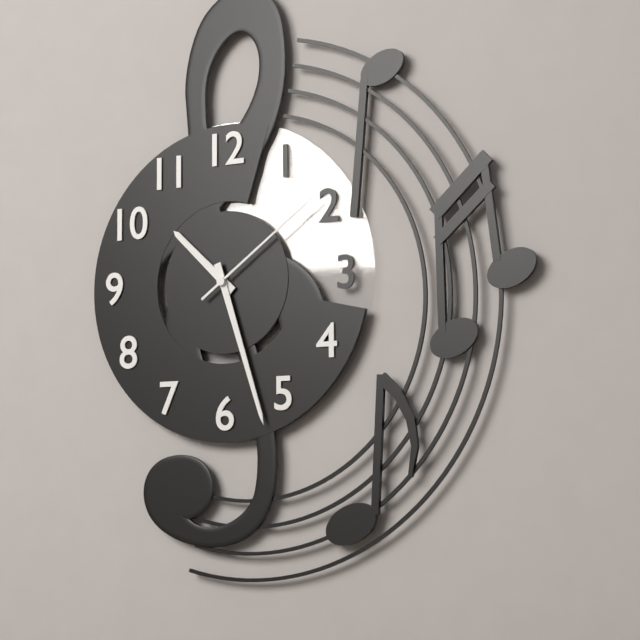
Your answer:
**10:27:09**
